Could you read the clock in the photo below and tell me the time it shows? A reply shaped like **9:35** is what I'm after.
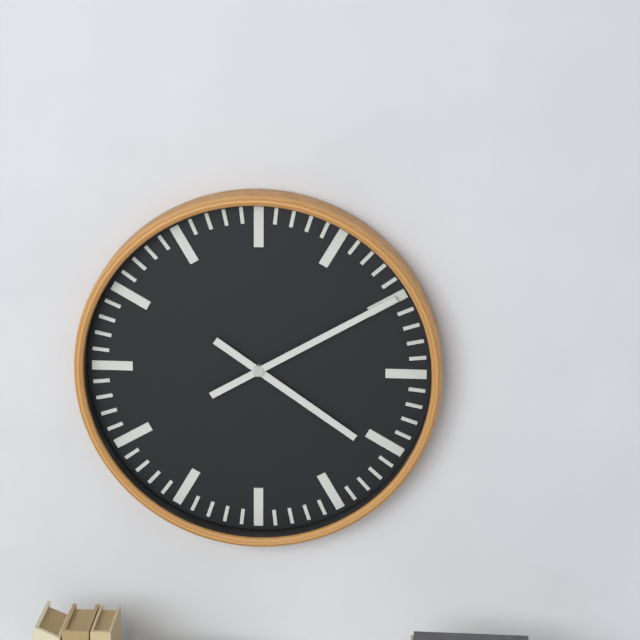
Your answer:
**4:10**
